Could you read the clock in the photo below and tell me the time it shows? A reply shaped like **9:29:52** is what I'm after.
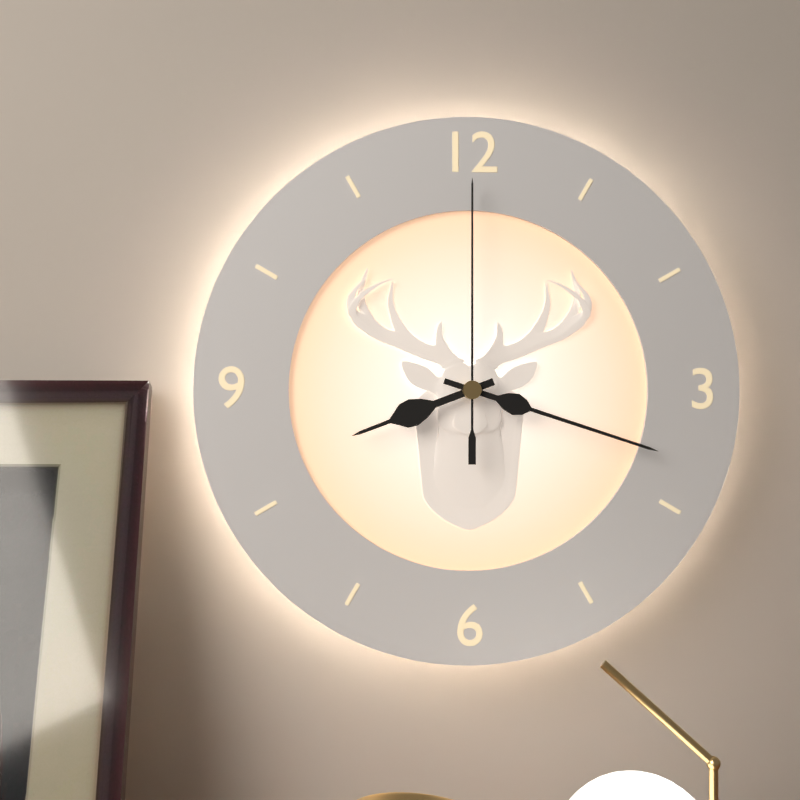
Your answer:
**8:18:00**
